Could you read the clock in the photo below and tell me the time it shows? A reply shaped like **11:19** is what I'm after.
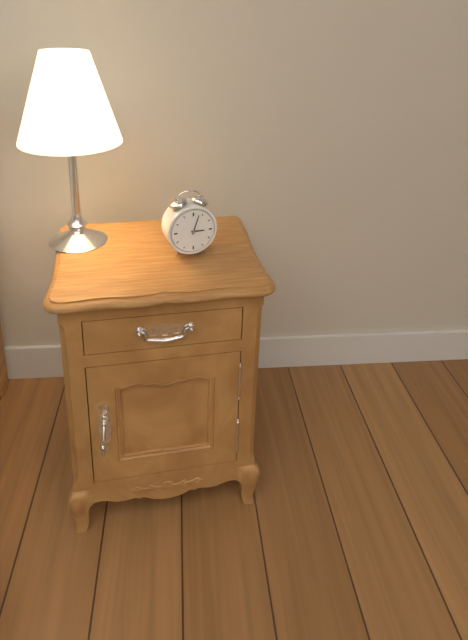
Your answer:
**3:03**
